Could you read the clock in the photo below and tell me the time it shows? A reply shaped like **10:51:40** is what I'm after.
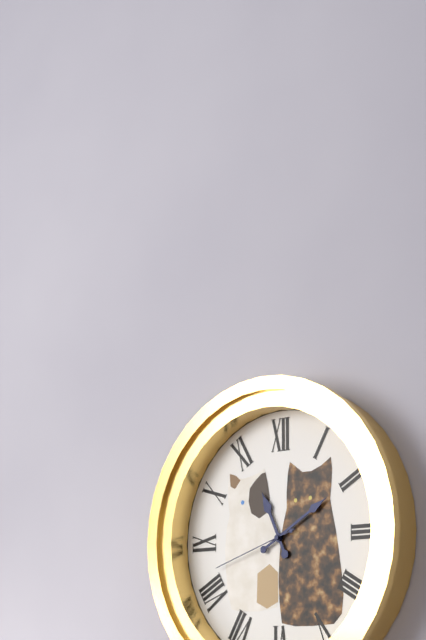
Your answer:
**11:10:42**
